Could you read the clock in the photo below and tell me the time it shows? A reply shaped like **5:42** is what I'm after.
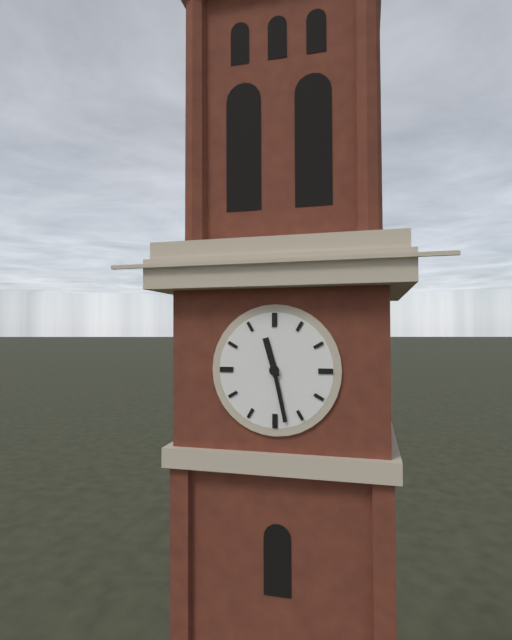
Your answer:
**11:28**
